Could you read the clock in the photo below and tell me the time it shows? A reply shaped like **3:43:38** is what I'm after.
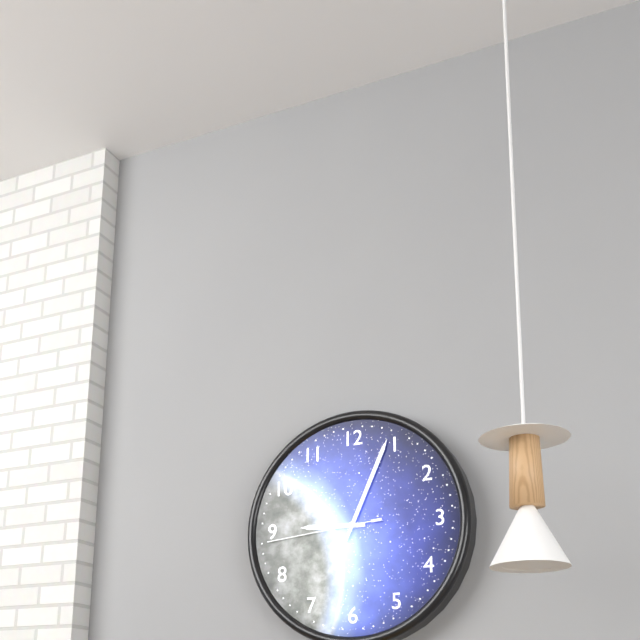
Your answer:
**9:04:44**
